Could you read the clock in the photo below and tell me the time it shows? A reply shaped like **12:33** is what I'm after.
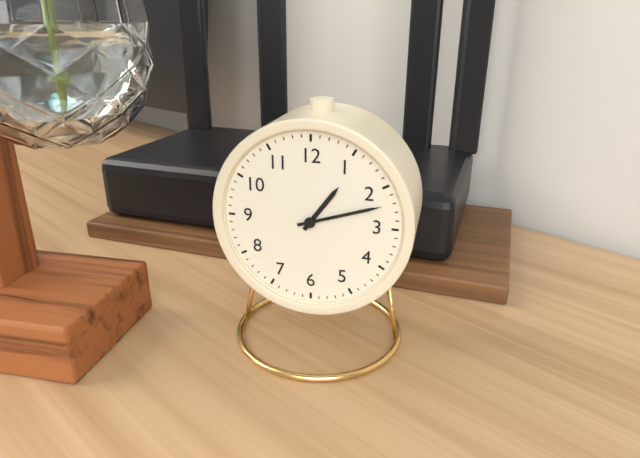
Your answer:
**1:12**
